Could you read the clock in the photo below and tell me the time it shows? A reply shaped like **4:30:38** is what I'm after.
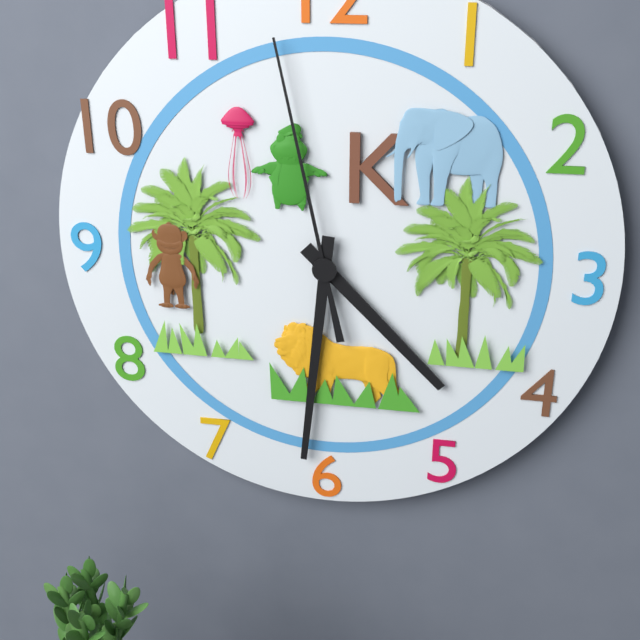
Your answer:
**4:31:58**
